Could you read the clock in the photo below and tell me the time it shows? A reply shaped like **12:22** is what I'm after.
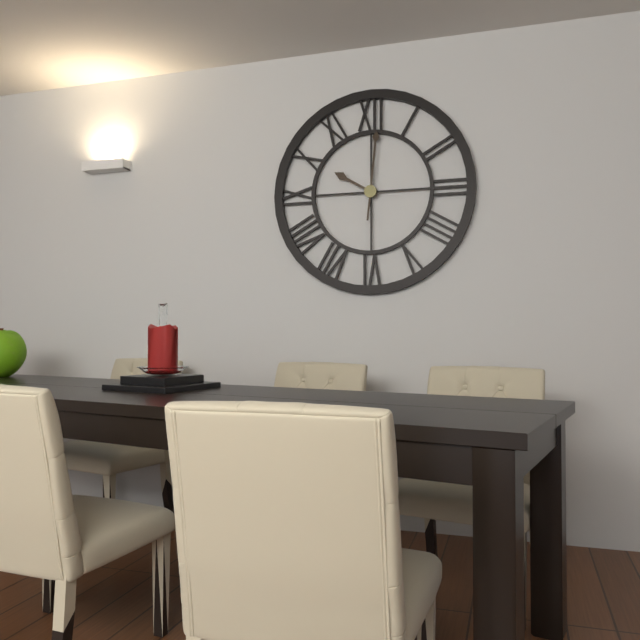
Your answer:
**10:01**
